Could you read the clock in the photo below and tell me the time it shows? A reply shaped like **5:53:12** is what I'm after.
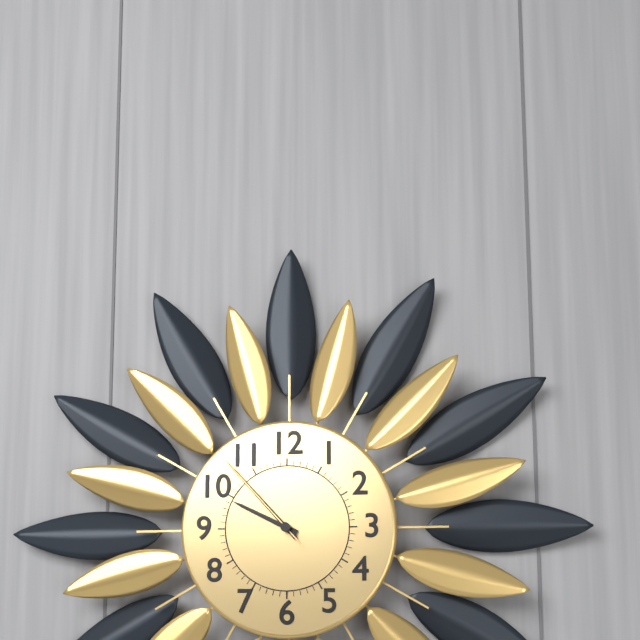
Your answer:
**9:53:53**
